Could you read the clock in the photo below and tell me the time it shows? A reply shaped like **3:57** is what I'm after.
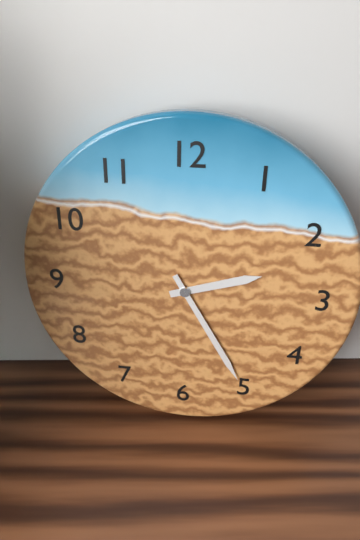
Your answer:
**2:25**
